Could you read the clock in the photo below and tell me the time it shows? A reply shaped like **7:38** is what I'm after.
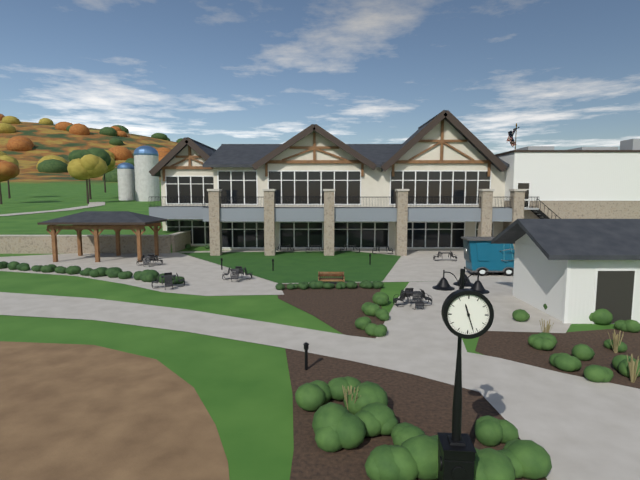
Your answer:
**11:27**
